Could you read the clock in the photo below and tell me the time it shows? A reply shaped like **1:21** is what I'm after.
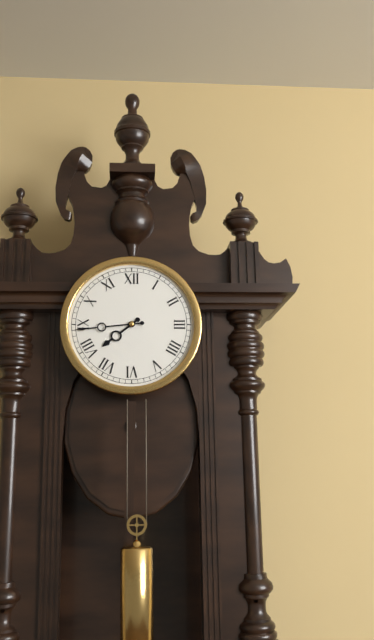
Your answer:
**7:44**
